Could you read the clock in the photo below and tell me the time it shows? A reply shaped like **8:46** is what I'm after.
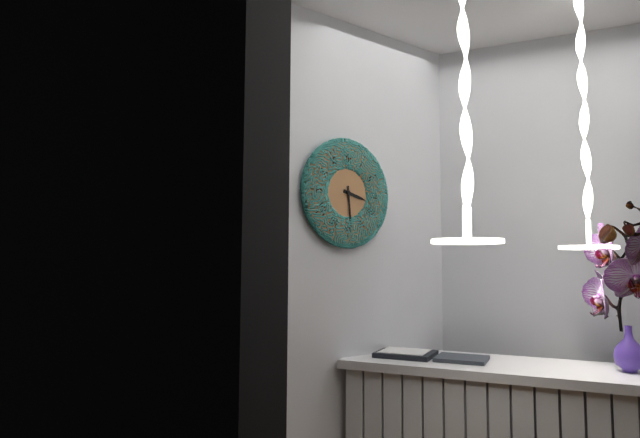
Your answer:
**3:29**
